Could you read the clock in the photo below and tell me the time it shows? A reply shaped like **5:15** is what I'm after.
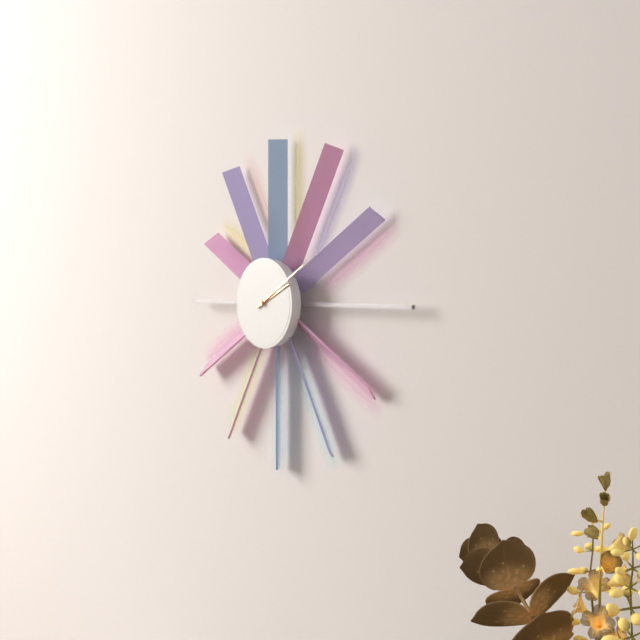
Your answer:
**2:10**
